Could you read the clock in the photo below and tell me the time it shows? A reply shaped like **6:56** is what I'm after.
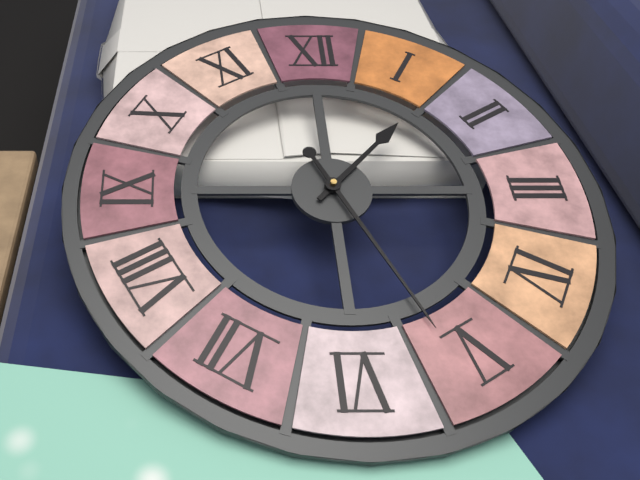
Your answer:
**1:26**
